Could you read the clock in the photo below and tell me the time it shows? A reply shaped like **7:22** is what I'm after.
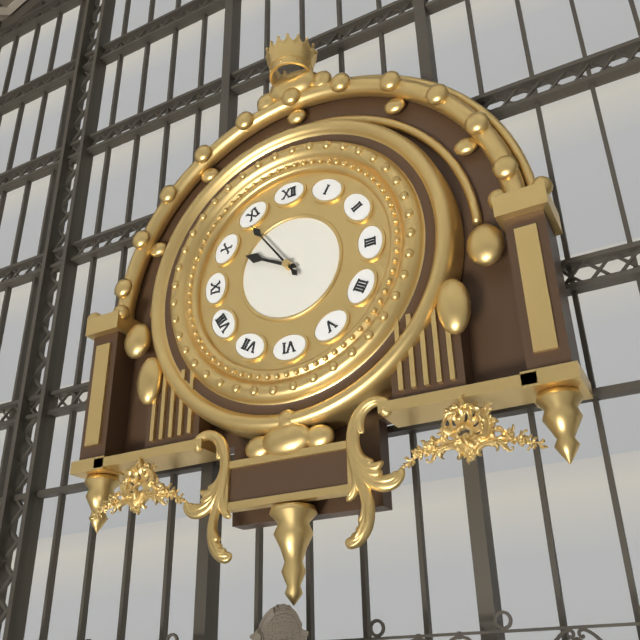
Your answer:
**9:54**
